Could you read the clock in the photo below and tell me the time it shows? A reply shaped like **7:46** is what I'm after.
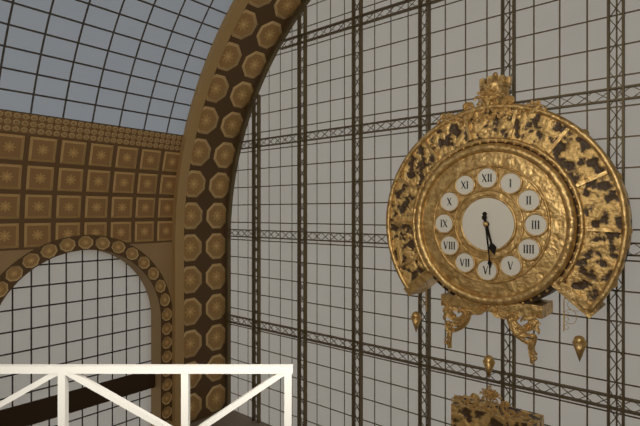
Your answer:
**5:29**
